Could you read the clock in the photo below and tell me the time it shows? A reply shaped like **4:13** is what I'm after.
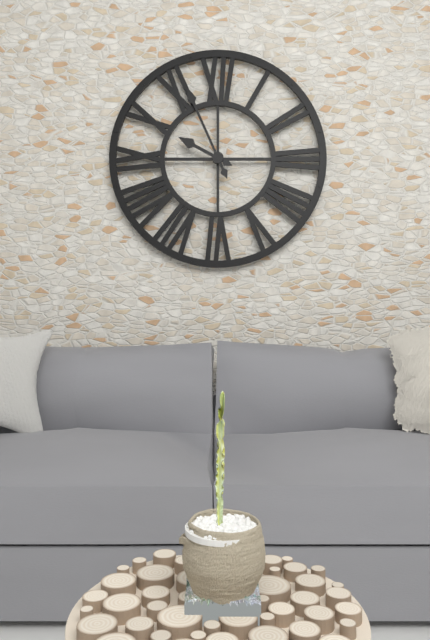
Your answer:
**9:56**
